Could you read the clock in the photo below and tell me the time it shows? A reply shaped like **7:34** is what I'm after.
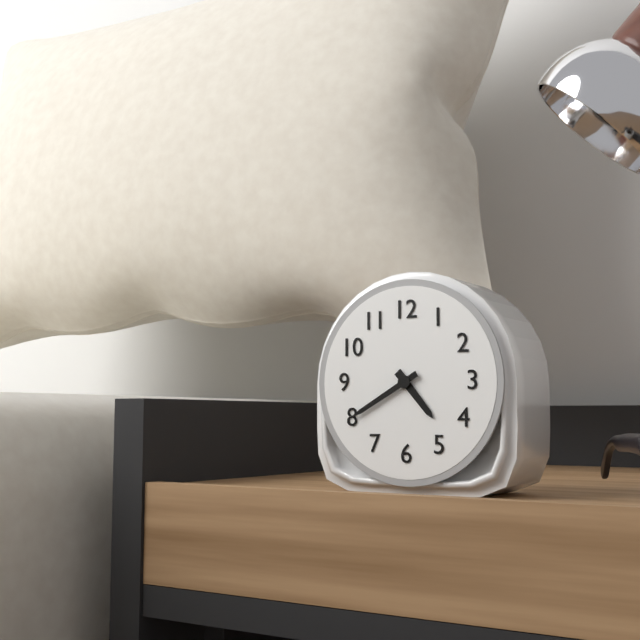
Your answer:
**4:40**
